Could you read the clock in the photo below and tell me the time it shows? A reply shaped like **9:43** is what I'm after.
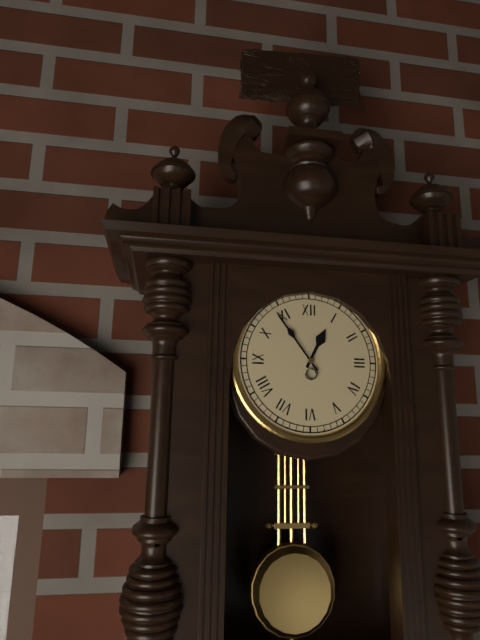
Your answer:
**12:54**
